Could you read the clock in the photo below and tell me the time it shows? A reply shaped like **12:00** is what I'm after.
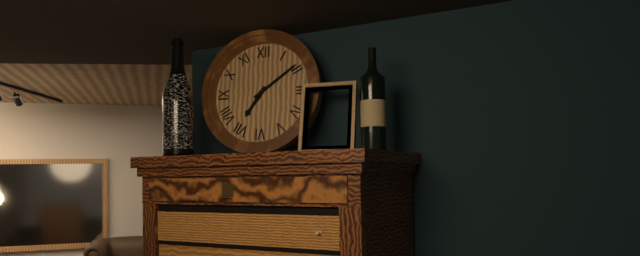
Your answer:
**7:09**
